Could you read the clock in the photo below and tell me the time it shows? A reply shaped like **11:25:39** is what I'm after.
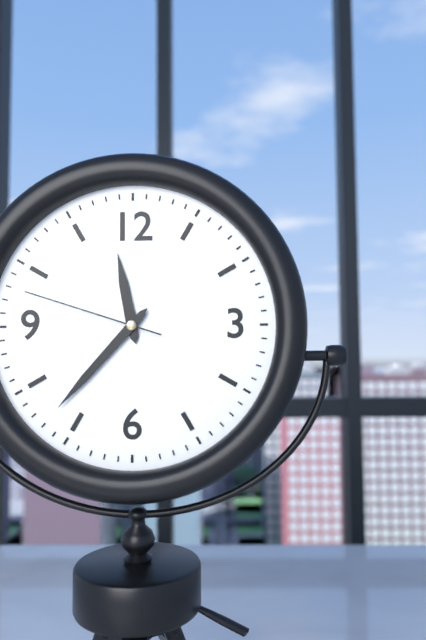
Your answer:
**11:37:48**
